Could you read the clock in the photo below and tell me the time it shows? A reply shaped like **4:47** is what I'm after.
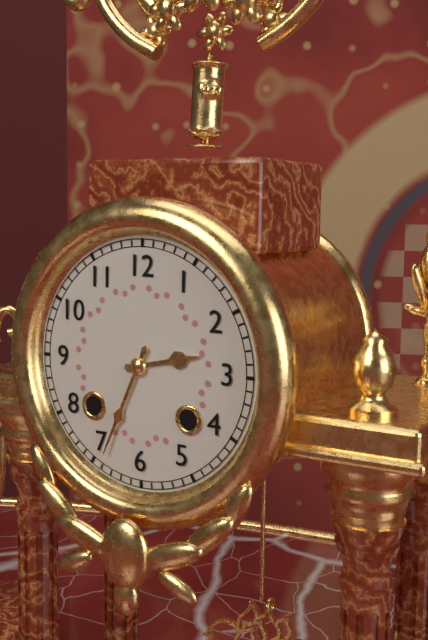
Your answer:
**2:34**
